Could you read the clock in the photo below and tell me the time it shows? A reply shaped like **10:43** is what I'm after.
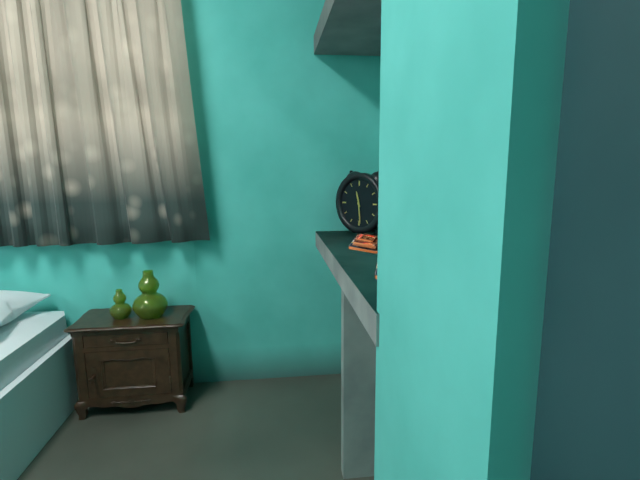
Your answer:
**11:29**
